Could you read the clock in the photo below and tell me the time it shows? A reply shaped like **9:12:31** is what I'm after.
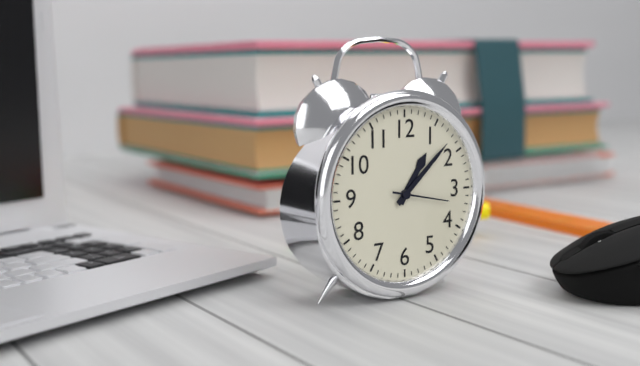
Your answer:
**1:08:17**
